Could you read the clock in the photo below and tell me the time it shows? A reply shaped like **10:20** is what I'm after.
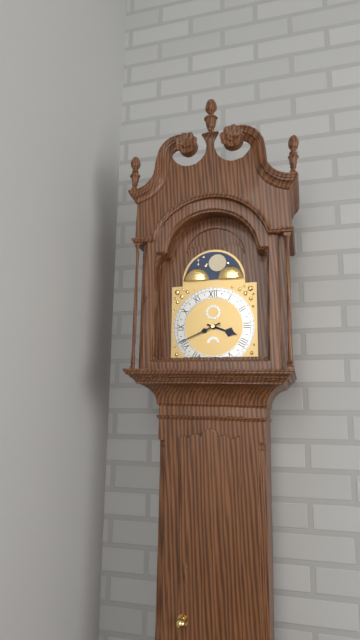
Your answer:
**3:41**
